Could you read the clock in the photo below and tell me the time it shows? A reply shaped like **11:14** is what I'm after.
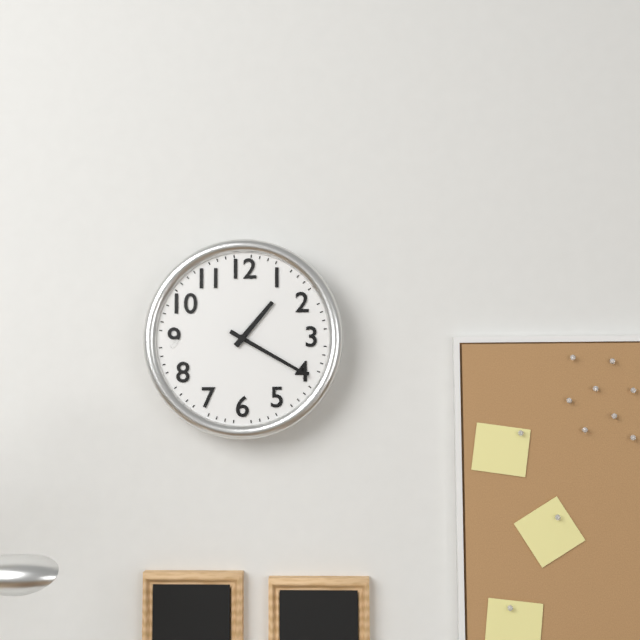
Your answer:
**1:20**
